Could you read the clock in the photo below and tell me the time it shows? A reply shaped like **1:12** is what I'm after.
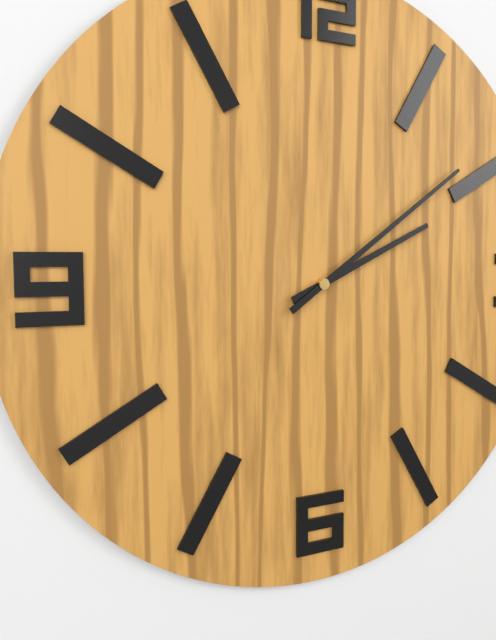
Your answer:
**2:09**
